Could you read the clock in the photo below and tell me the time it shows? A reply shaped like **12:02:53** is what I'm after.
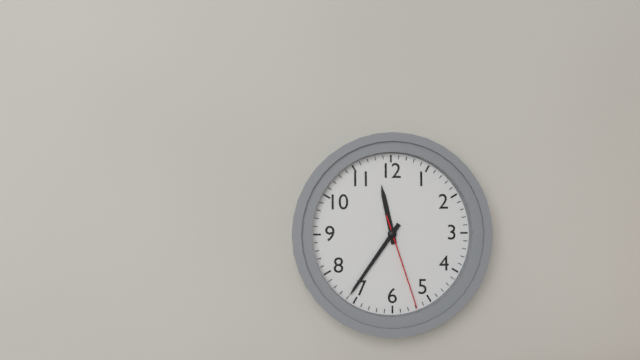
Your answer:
**11:36:27**
